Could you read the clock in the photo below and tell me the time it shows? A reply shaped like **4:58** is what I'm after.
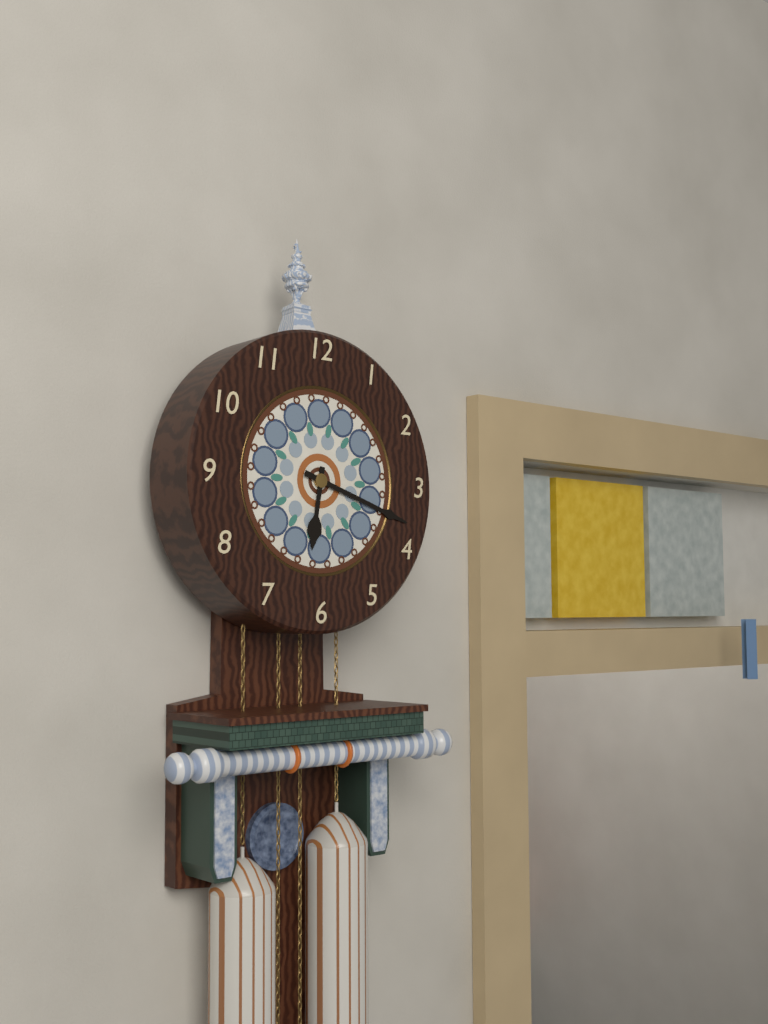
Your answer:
**6:18**
